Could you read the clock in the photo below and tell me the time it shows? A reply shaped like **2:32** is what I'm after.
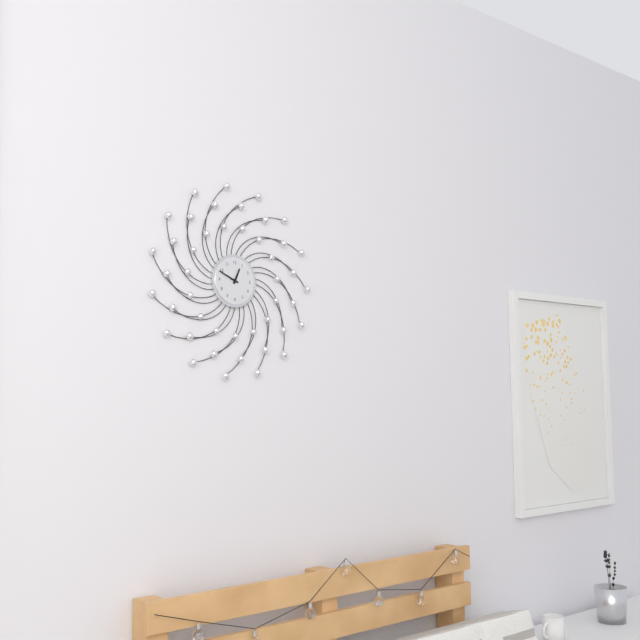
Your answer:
**12:49**
